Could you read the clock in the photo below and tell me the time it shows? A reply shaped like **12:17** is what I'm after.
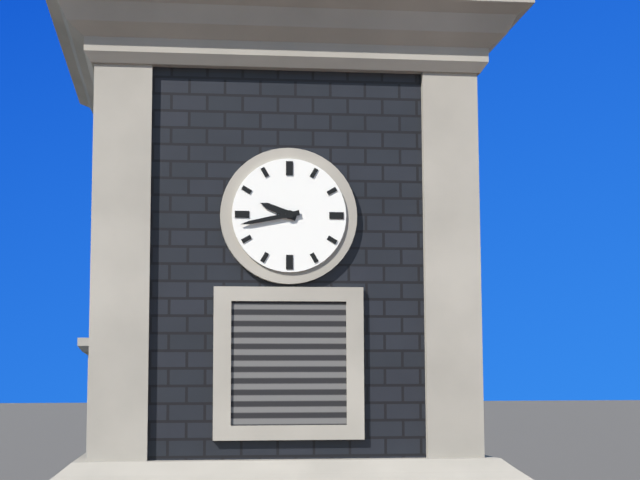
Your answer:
**9:43**
